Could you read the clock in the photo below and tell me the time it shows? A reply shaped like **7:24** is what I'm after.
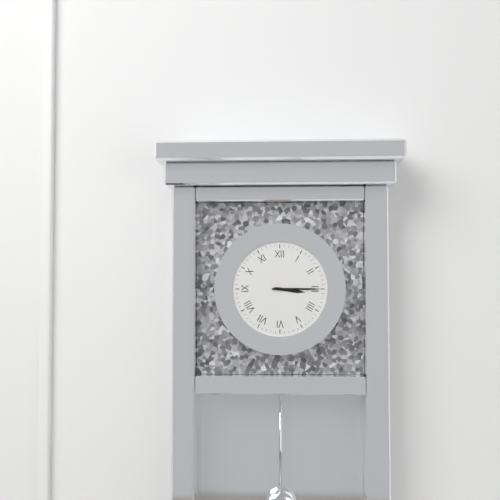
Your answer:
**3:15**
